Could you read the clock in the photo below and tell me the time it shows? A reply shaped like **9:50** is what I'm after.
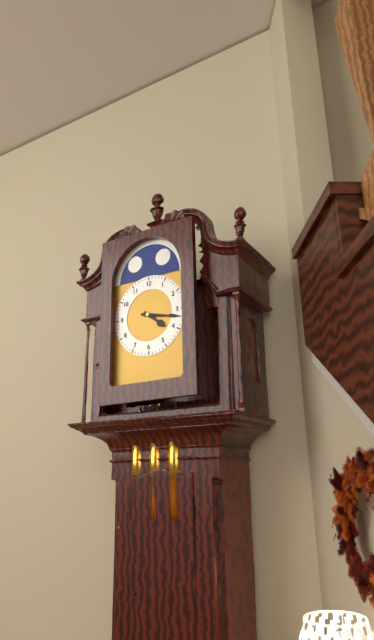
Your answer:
**4:17**
